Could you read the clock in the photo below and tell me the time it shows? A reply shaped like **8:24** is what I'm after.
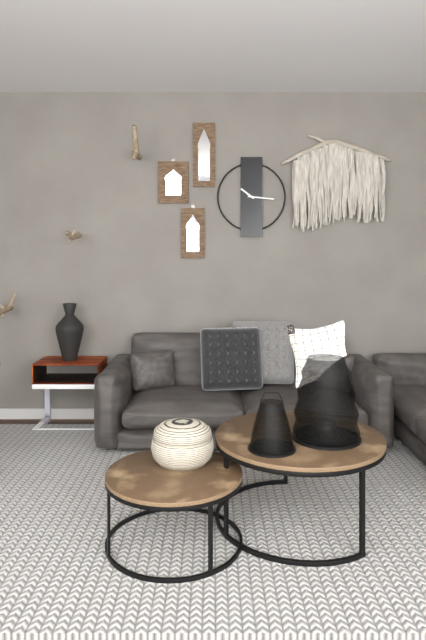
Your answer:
**10:16**
